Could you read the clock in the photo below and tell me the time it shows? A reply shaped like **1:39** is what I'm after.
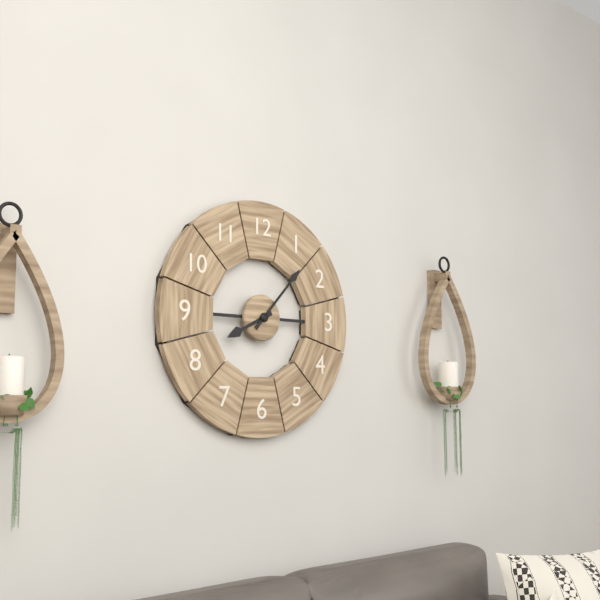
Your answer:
**8:07**
